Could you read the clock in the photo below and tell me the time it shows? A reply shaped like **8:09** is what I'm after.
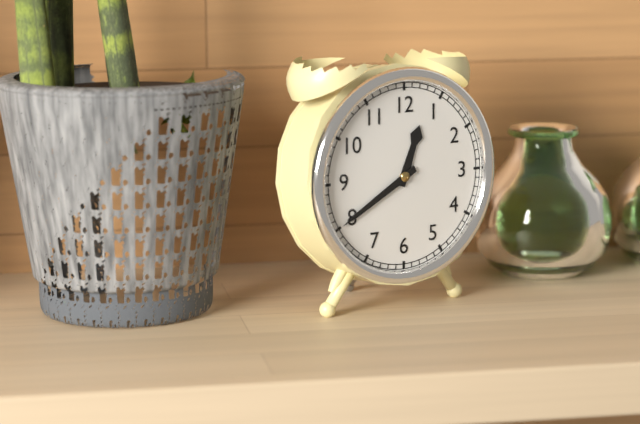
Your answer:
**12:40**
